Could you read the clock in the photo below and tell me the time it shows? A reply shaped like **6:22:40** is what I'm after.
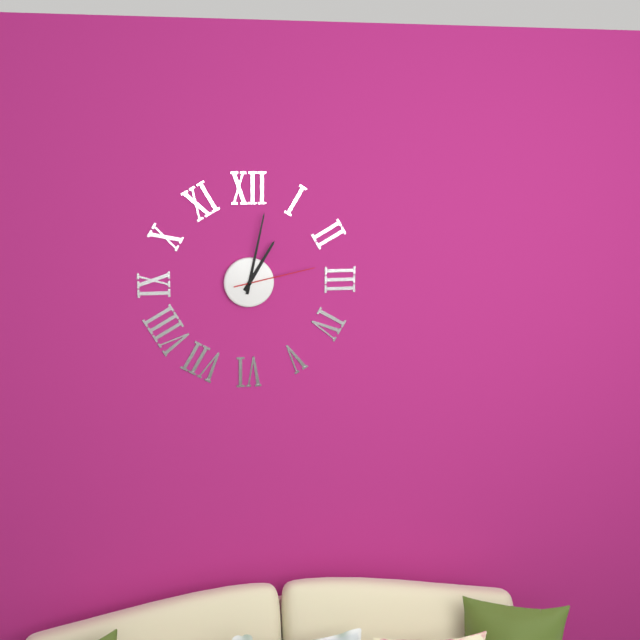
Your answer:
**1:02:13**
